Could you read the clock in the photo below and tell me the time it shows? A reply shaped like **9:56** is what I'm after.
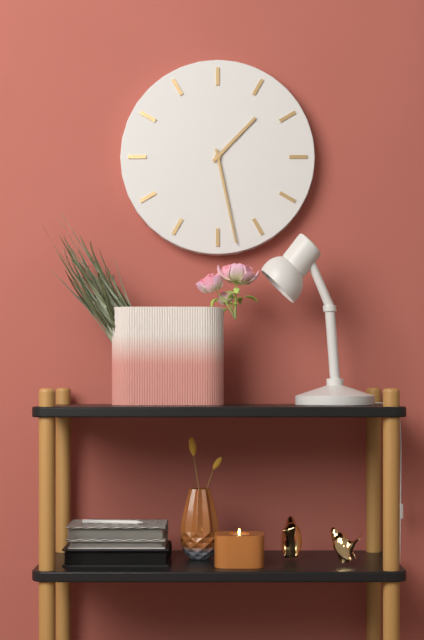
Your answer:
**1:28**
